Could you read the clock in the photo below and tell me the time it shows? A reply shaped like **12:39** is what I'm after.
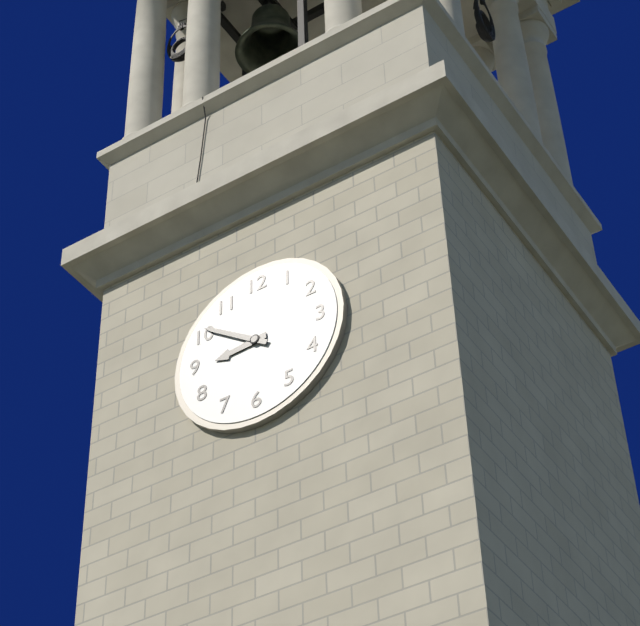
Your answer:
**8:51**
